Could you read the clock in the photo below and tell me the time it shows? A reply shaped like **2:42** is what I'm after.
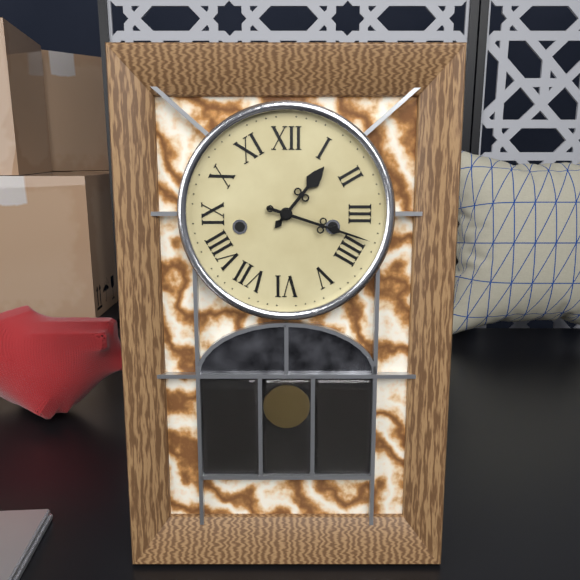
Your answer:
**1:18**
